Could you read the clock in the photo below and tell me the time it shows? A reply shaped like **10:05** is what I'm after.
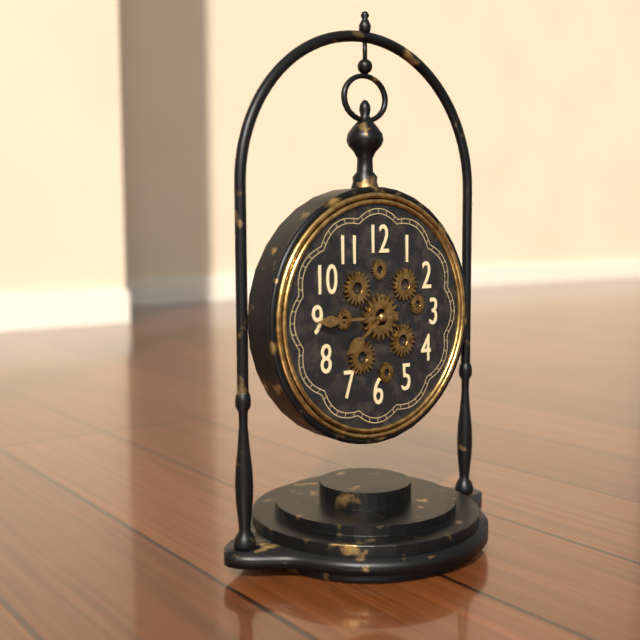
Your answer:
**7:45**
